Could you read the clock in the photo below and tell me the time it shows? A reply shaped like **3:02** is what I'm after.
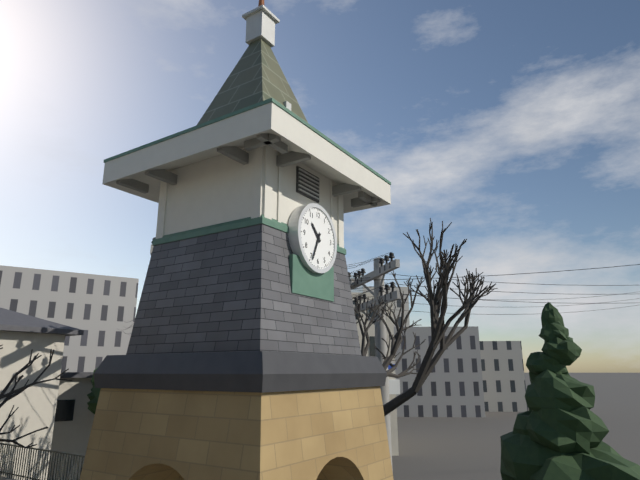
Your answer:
**10:34**
